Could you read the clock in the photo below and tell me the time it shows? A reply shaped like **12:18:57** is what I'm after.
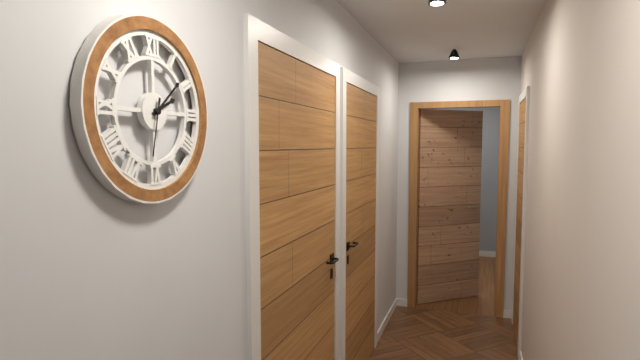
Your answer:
**2:08:32**
